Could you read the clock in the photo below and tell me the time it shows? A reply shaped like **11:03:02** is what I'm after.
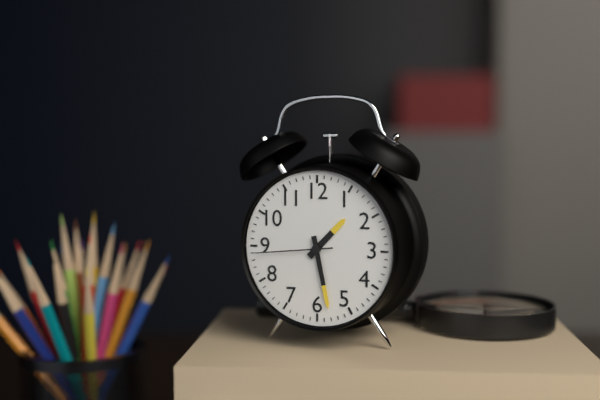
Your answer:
**1:28:44**
